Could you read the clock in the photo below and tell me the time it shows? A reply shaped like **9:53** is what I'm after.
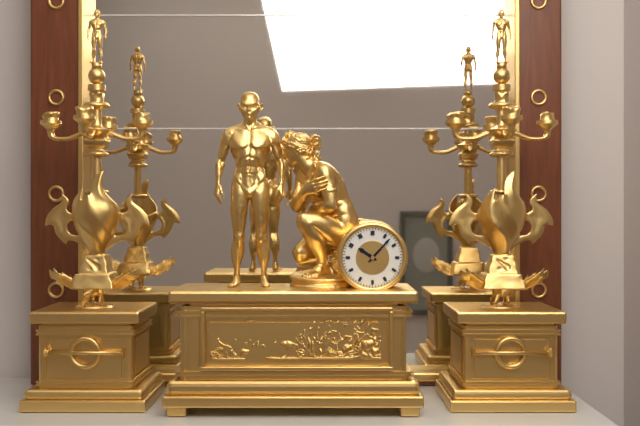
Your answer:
**10:07**
